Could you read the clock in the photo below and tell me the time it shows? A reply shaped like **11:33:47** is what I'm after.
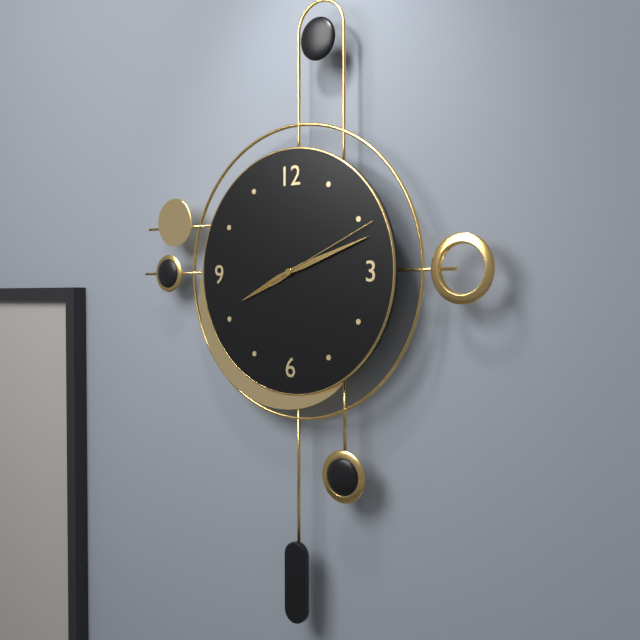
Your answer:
**8:12:11**
